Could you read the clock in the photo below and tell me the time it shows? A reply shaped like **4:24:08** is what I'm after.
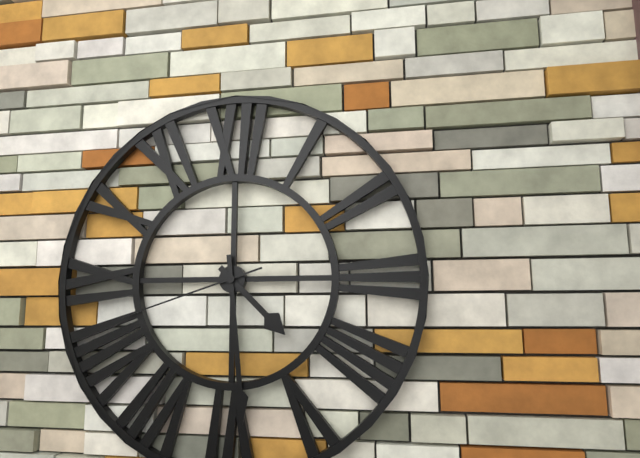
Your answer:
**4:29:42**
